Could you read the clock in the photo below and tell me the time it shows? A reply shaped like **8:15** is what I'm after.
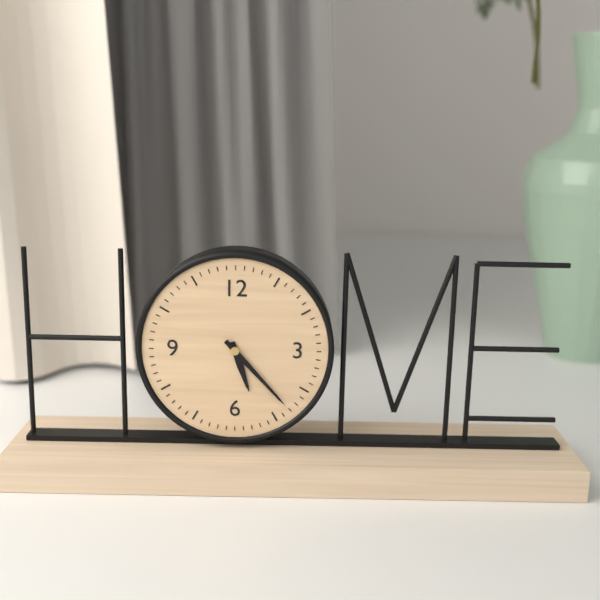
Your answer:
**5:23**
